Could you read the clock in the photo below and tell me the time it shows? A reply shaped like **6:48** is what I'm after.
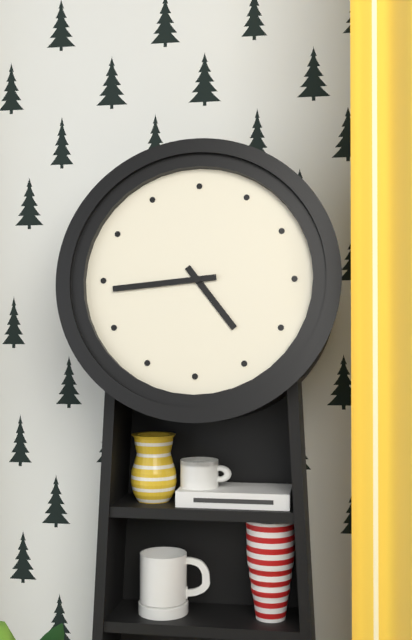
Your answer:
**4:44**
